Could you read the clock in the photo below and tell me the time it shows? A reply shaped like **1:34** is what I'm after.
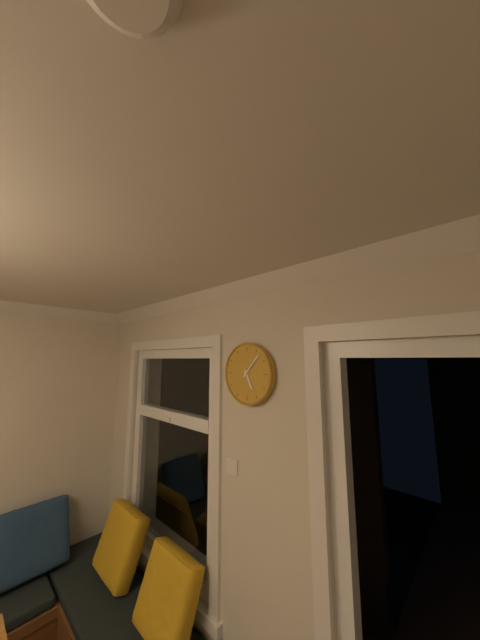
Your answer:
**5:07**
